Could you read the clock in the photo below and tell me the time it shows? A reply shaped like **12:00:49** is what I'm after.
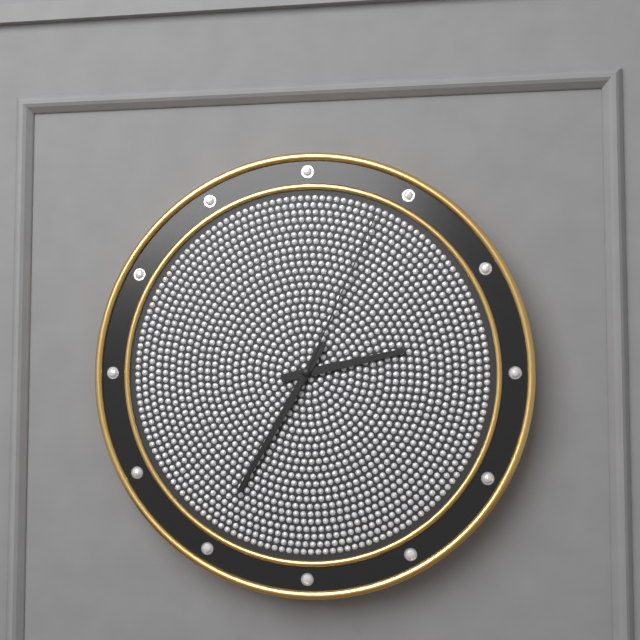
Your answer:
**2:35:04**
